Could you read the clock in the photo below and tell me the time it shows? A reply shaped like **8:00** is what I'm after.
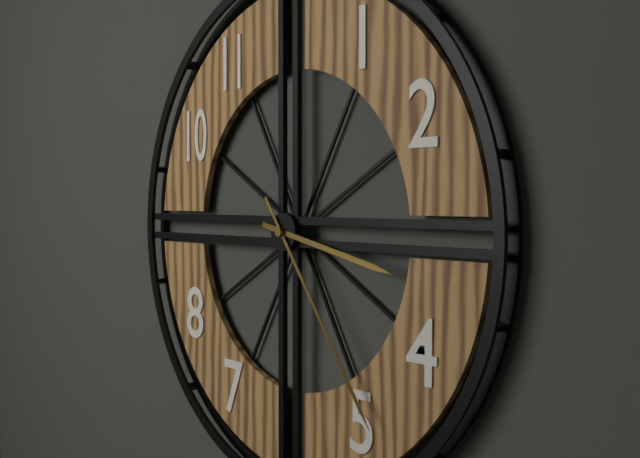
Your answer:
**3:24**
